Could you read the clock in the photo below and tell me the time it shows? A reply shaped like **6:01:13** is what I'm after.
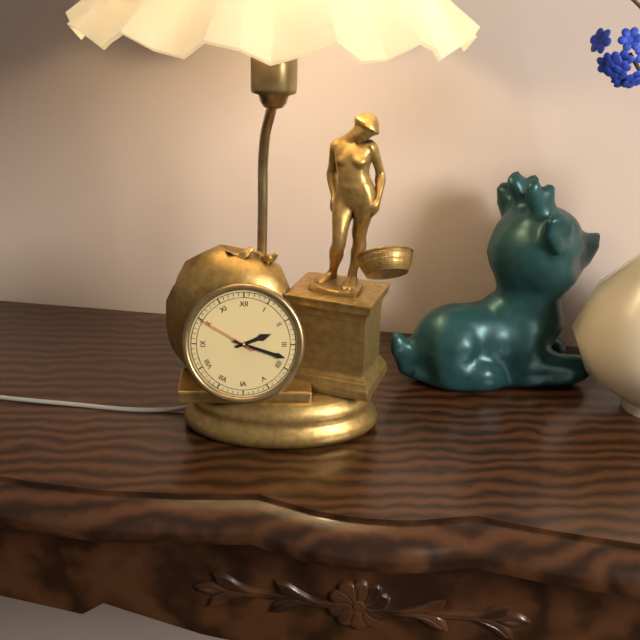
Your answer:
**2:18:50**
